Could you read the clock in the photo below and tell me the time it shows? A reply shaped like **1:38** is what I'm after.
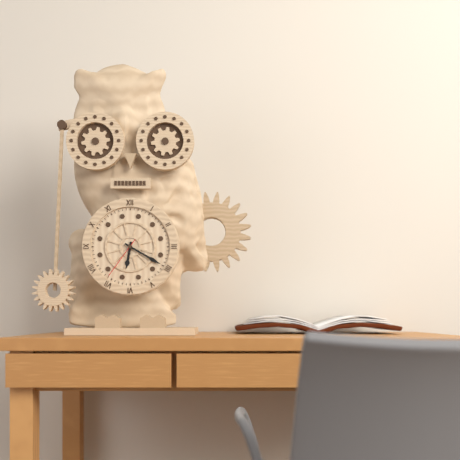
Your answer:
**6:20**
